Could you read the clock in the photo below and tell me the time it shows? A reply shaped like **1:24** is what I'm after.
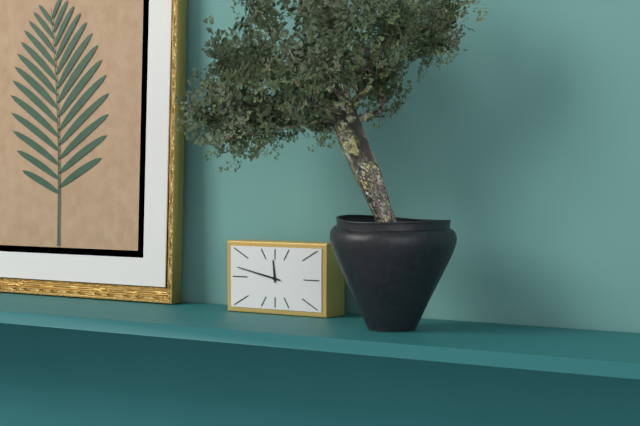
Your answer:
**11:47**
